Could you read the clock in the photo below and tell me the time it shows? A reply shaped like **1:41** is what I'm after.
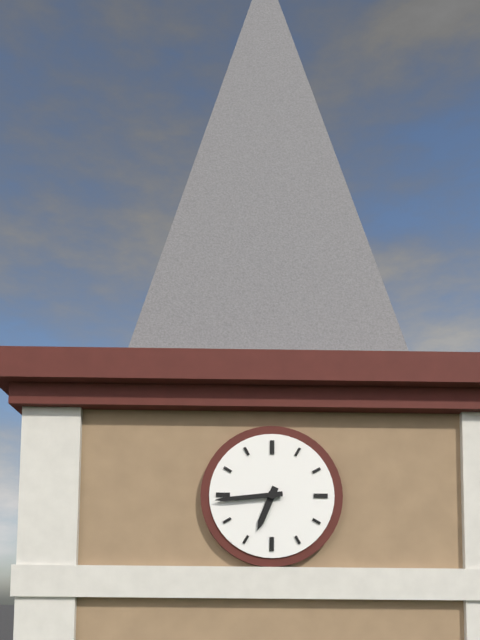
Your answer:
**6:44**
